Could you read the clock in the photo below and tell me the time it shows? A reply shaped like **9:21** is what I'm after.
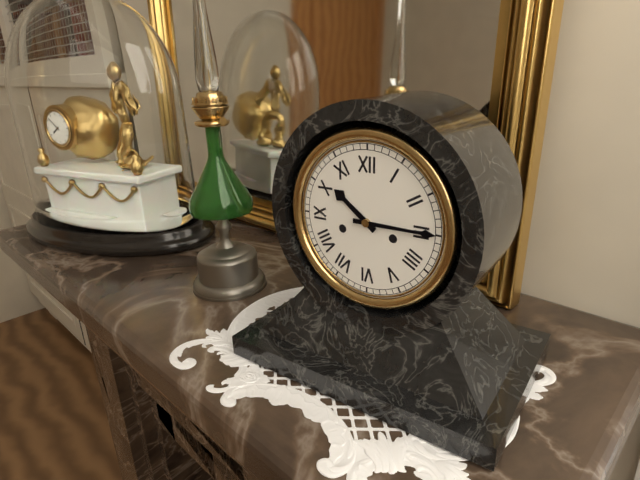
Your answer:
**10:15**
